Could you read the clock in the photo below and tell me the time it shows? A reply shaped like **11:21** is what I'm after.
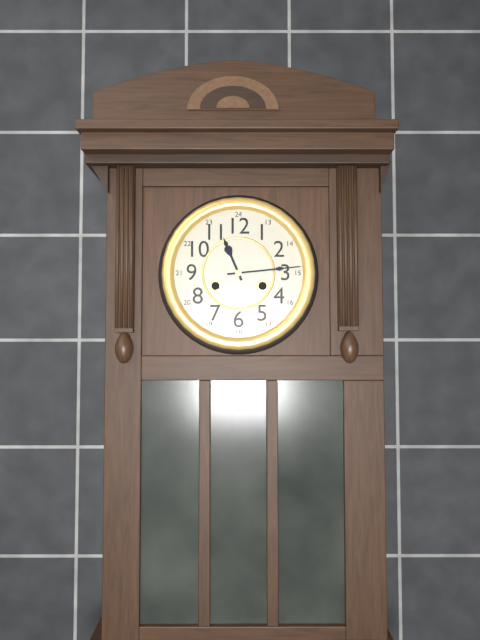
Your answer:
**11:14**
